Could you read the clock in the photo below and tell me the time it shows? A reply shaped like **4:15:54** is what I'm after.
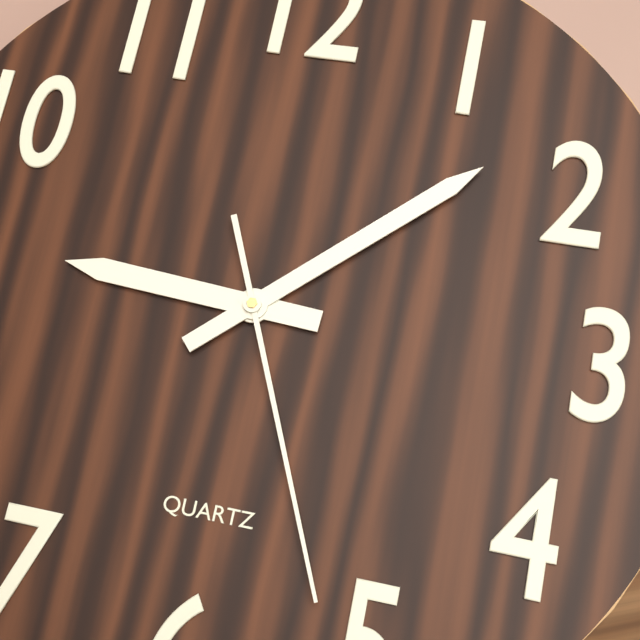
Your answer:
**9:08:26**
